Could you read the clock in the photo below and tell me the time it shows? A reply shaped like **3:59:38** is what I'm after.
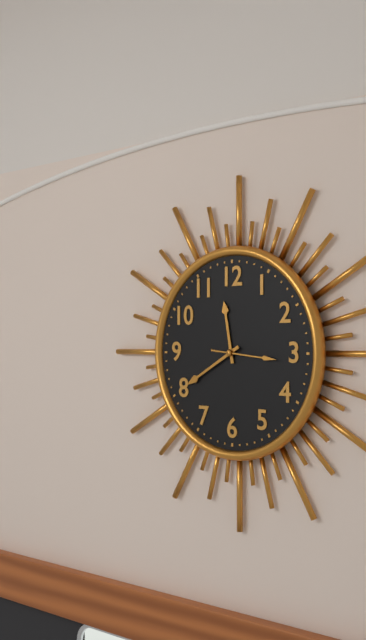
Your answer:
**11:40:16**
